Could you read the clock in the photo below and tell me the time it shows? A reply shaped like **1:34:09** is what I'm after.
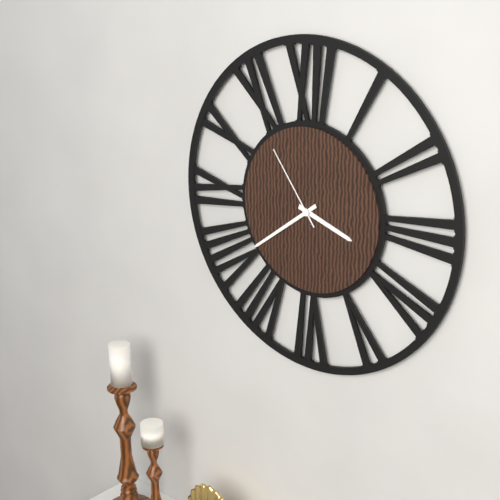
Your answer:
**3:39:54**
